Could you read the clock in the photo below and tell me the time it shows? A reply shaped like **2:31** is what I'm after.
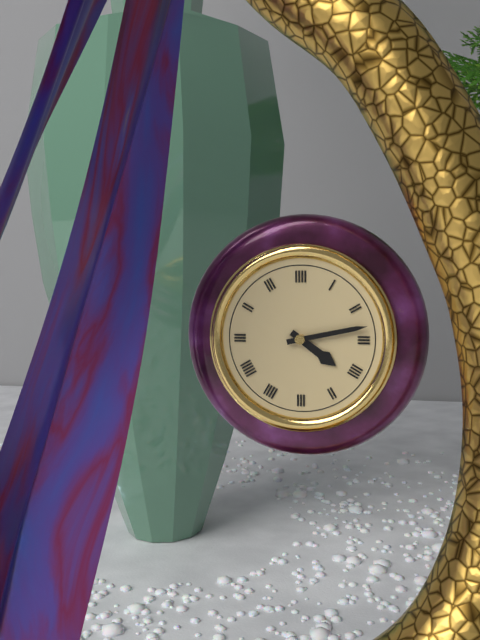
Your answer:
**4:13**
